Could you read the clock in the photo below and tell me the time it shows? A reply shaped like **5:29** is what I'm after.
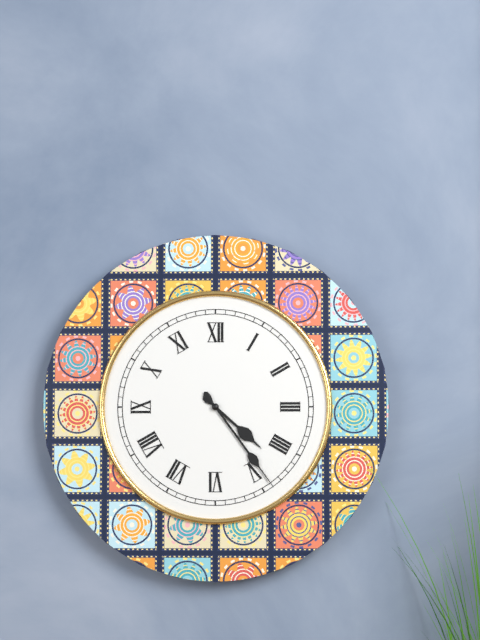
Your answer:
**4:24**
